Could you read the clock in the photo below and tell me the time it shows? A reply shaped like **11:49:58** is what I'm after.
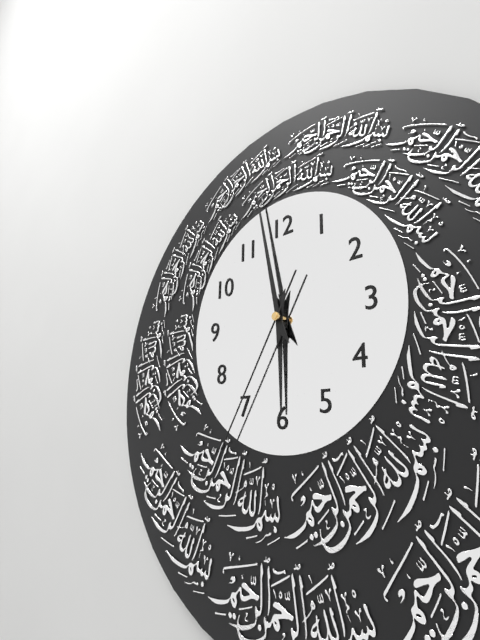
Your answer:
**5:58:35**
